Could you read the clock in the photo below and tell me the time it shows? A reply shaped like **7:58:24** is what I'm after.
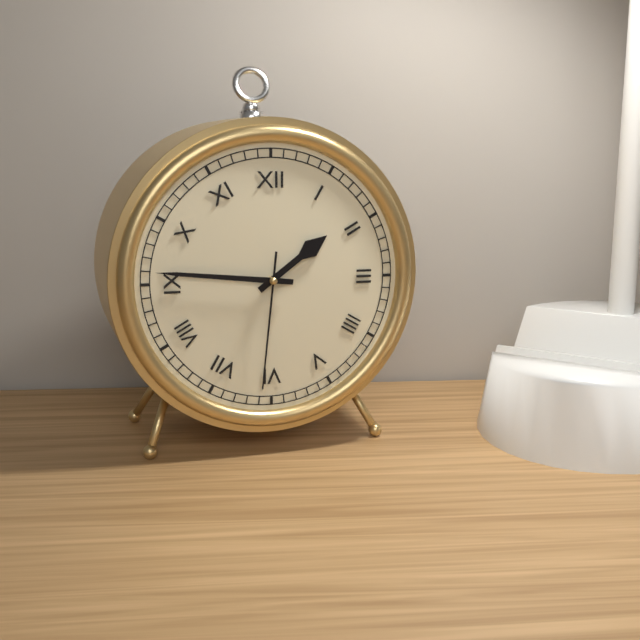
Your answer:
**1:46:31**
